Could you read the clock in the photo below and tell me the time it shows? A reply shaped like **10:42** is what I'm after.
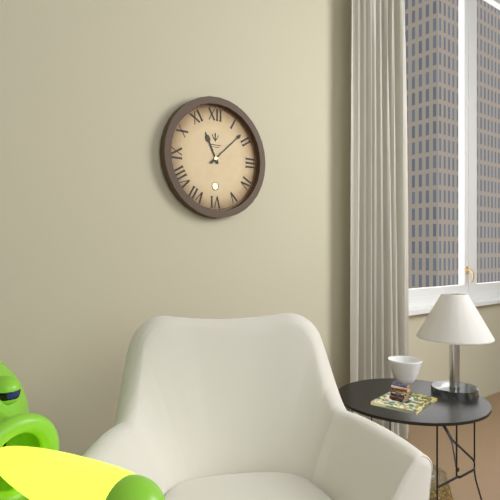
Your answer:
**11:08**
